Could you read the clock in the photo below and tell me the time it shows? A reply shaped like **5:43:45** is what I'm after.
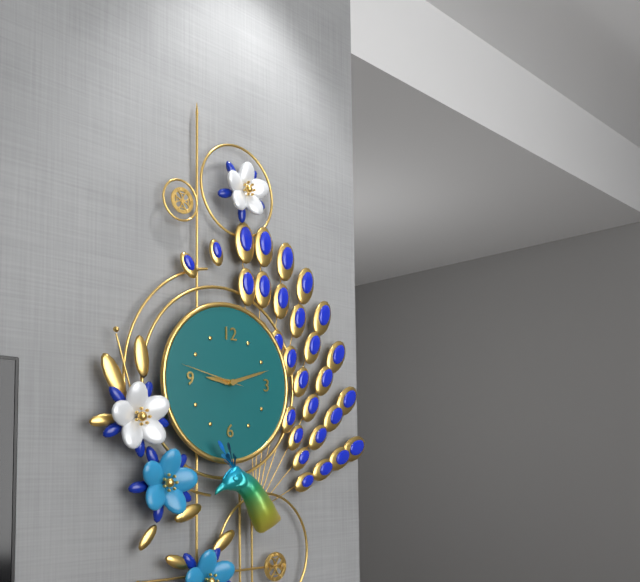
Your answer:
**9:12:47**
